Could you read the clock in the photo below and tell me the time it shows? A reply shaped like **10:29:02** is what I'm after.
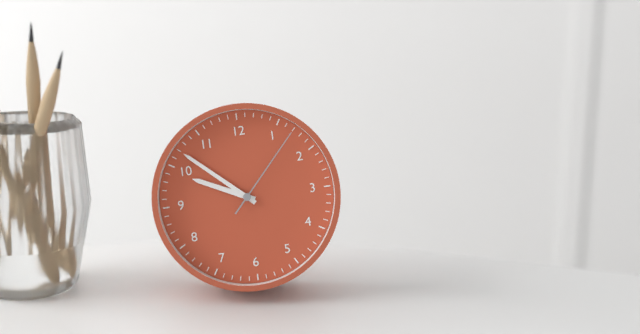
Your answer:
**9:52:07**
